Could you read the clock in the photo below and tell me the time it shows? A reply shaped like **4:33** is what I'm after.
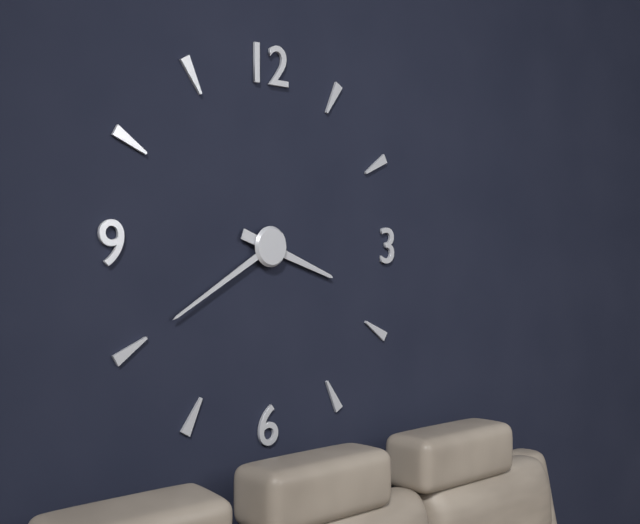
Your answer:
**3:40**
